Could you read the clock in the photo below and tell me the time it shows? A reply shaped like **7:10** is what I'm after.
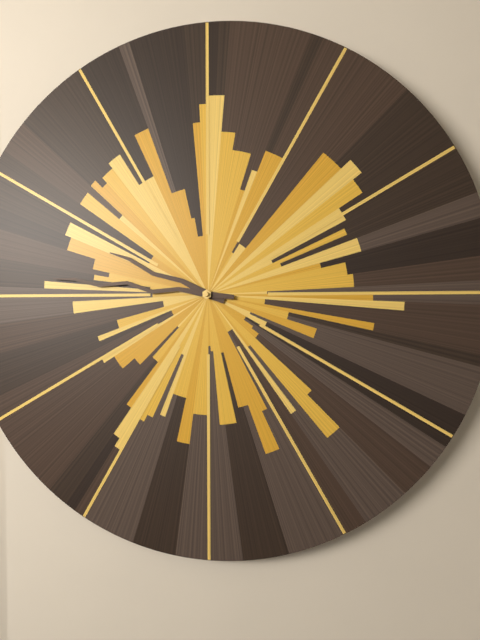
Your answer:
**9:46**
